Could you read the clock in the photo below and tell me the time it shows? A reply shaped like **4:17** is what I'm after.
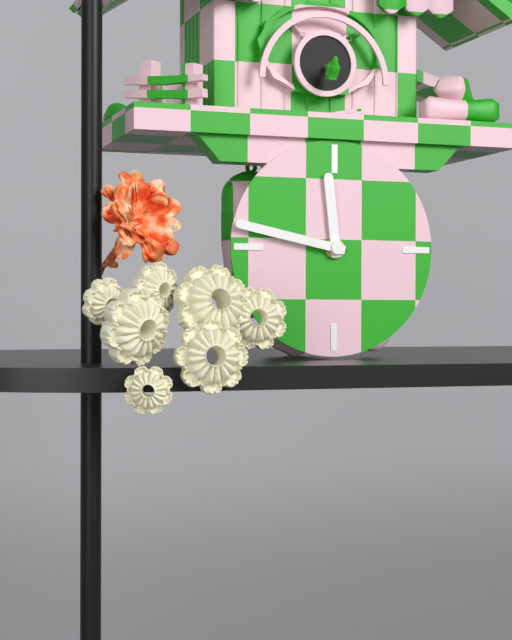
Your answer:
**11:47**
